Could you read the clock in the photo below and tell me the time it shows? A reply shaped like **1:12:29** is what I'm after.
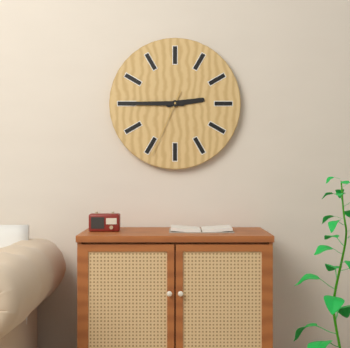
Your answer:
**2:45:34**
